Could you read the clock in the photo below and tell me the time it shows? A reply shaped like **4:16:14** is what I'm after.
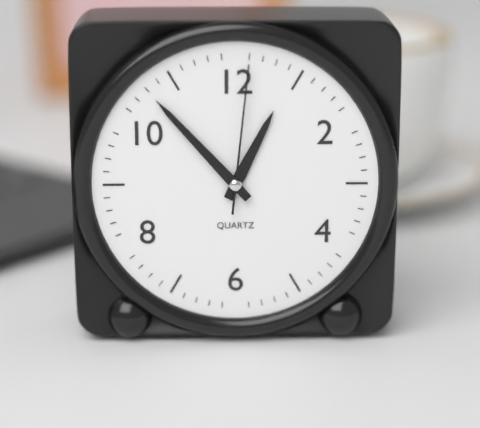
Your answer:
**12:53:01**
